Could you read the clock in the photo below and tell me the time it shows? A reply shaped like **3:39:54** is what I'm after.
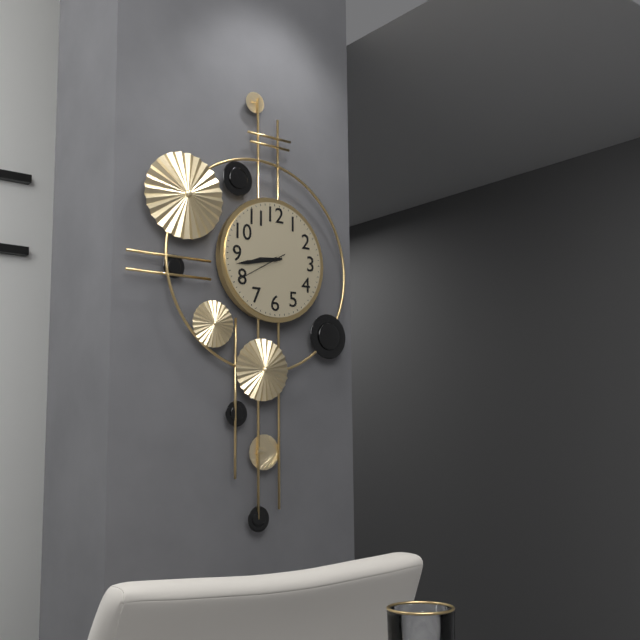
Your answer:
**8:43:40**
